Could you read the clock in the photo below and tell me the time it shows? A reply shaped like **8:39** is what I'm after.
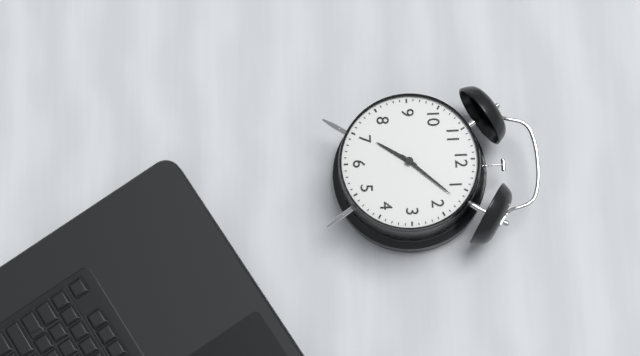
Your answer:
**7:07**
